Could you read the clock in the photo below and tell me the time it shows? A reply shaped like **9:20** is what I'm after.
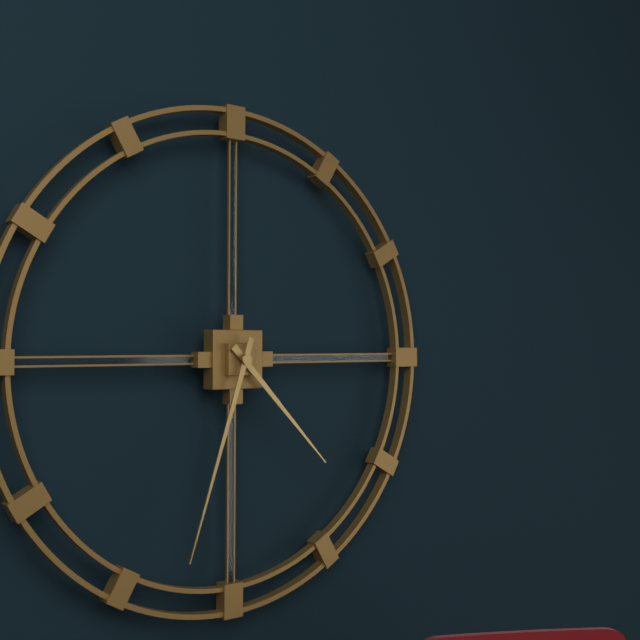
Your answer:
**4:33**
